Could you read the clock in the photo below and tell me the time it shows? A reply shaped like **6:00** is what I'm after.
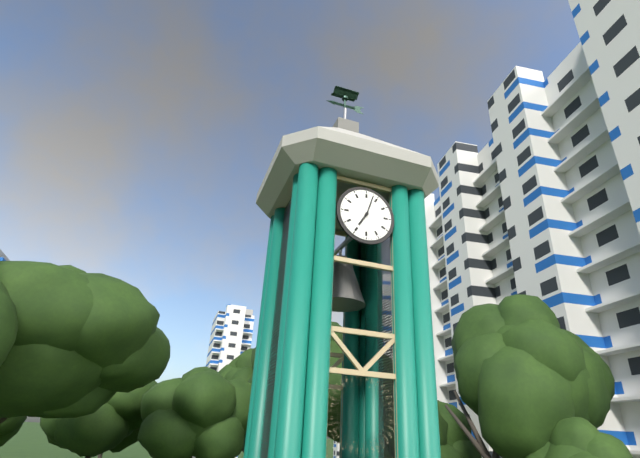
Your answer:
**7:03**
